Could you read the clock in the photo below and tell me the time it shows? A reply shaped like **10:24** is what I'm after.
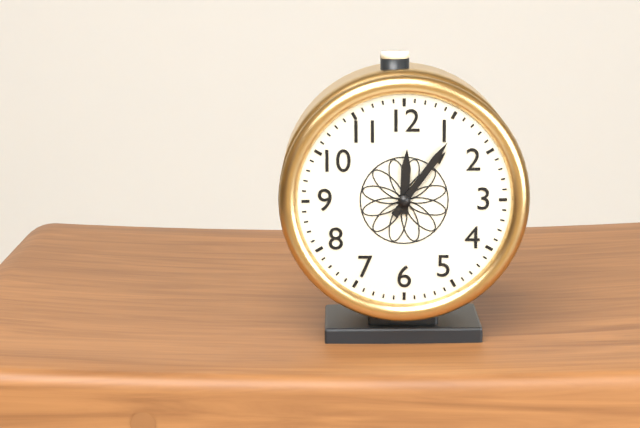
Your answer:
**12:06**
